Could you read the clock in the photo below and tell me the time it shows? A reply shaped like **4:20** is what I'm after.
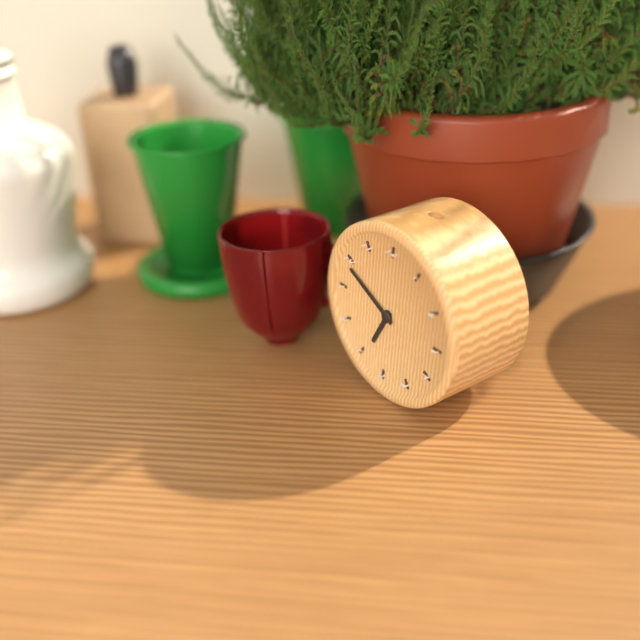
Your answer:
**6:49**
